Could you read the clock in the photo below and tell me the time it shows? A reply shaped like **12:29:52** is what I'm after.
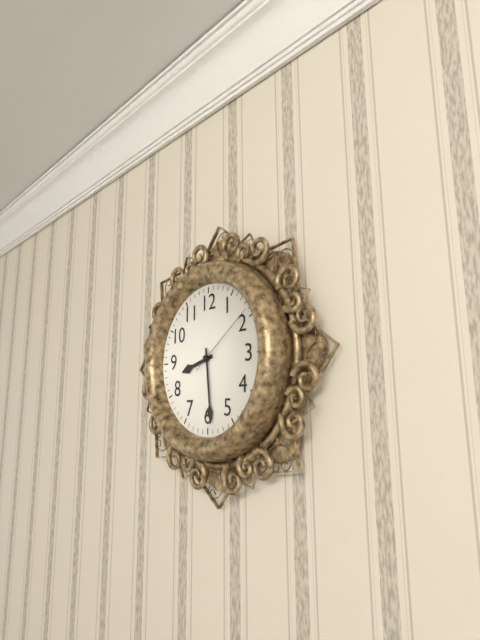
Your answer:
**8:29:09**
